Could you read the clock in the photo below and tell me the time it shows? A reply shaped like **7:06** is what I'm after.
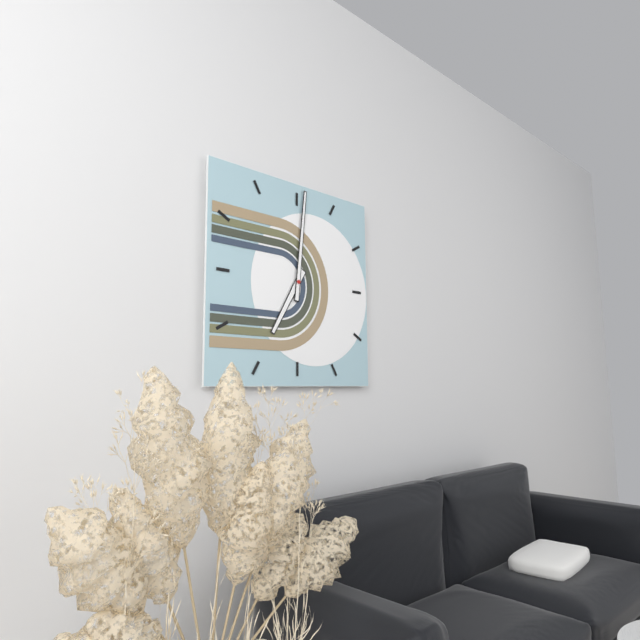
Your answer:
**7:01**
